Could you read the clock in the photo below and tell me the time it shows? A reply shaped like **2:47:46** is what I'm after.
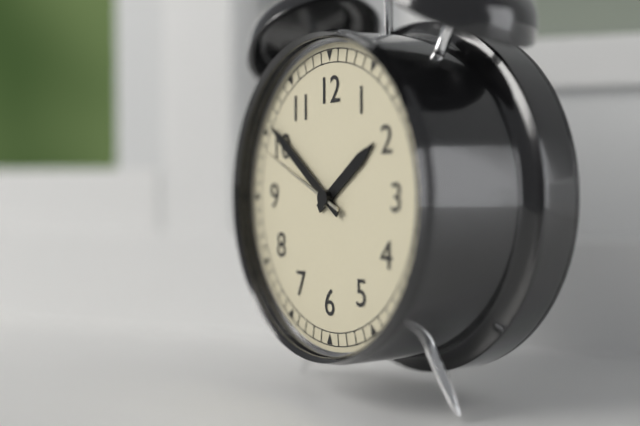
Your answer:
**1:51:49**
